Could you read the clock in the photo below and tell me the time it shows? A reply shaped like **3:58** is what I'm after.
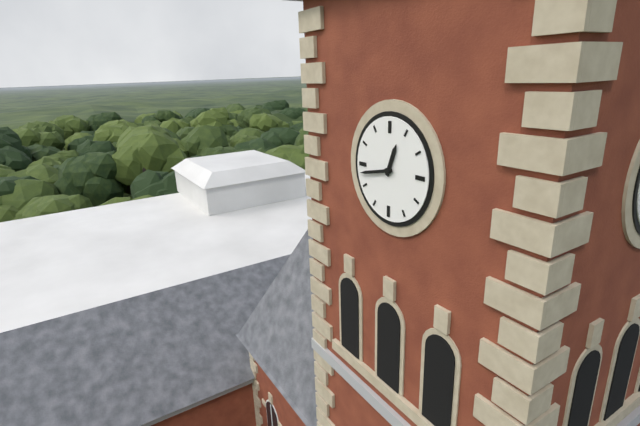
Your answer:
**12:43**
